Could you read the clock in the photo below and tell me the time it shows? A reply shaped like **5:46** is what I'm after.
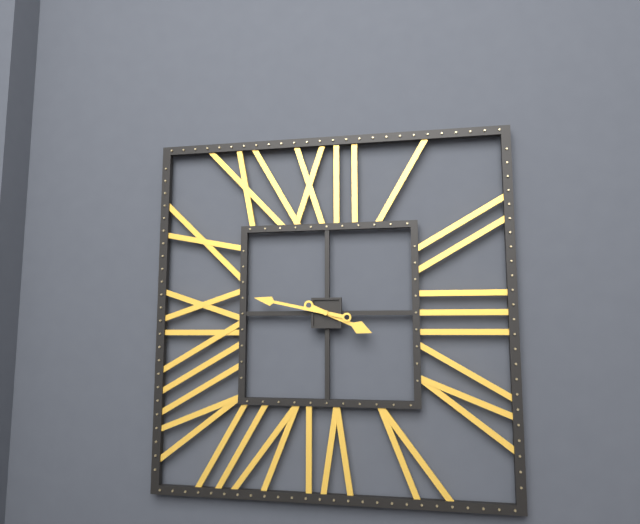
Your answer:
**3:47**
